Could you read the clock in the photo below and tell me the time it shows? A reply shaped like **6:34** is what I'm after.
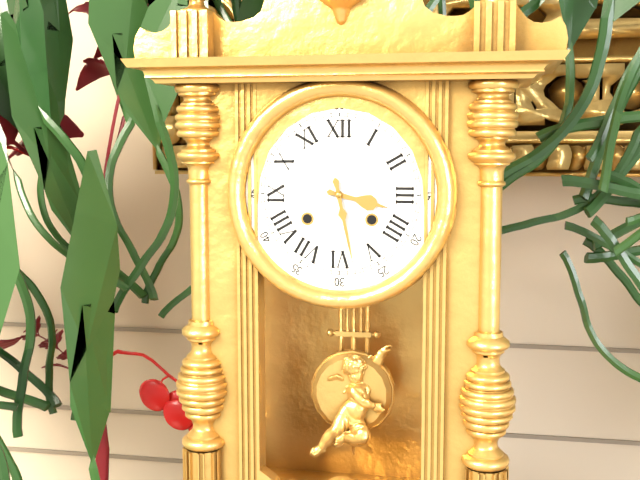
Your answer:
**3:28**
